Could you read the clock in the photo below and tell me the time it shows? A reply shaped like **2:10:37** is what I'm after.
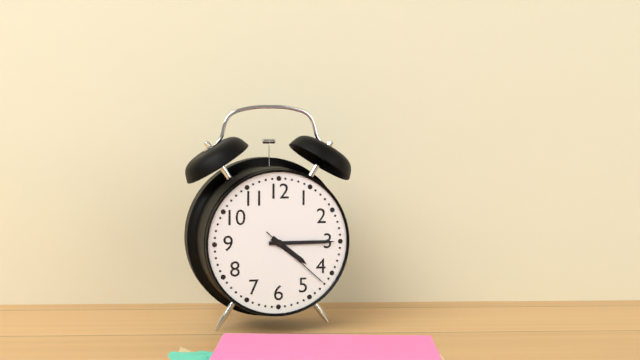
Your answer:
**4:15:22**
